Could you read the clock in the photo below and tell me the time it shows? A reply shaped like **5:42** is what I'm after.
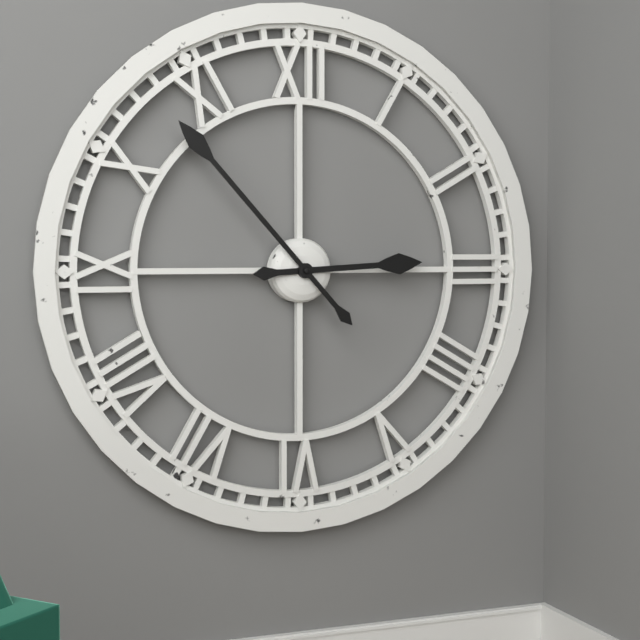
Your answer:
**2:53**
